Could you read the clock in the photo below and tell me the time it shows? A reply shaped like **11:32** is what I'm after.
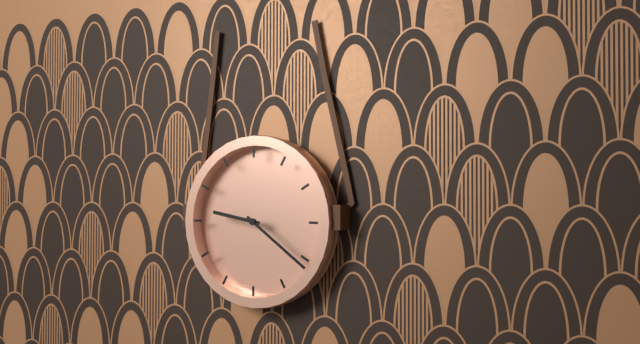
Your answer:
**9:21**
